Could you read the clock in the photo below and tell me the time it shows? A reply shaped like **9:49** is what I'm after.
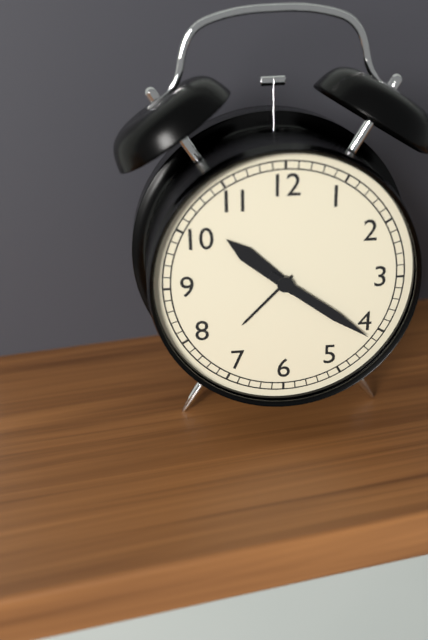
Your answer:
**10:21**
